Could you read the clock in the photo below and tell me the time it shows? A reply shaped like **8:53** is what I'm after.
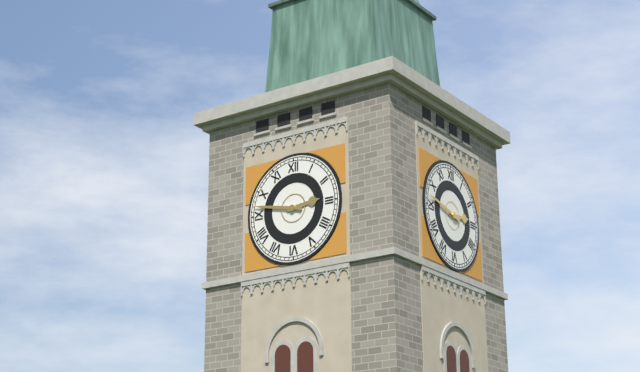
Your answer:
**2:47**
